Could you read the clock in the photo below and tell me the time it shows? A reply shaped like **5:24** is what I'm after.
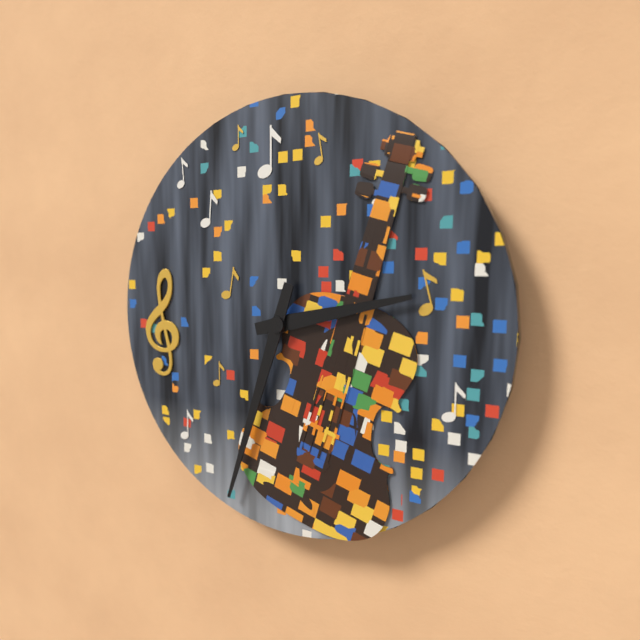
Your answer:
**2:33**
